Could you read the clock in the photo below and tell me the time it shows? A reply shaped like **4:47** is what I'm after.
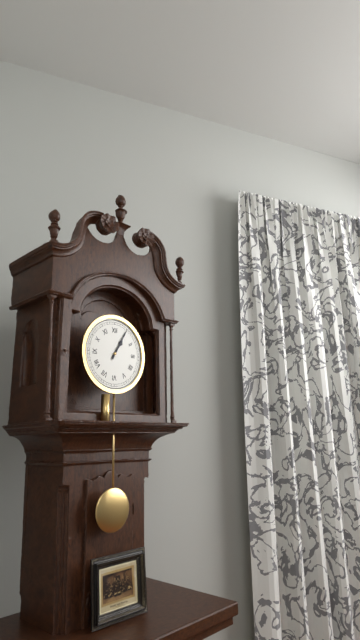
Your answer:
**1:05**
